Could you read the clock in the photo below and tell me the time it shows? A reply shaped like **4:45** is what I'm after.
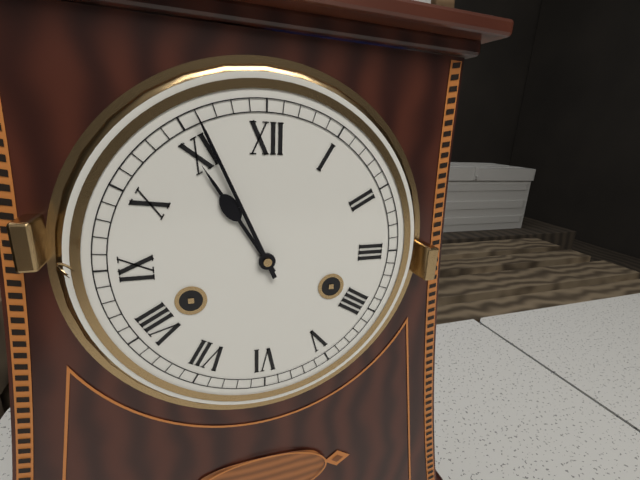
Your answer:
**10:56**
